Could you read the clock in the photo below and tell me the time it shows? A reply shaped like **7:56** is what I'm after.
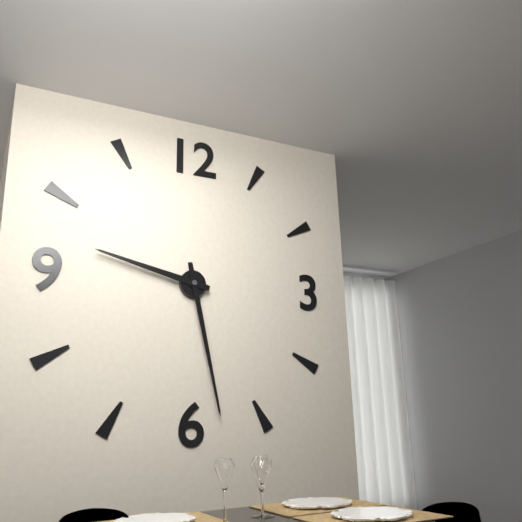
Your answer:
**9:28**
